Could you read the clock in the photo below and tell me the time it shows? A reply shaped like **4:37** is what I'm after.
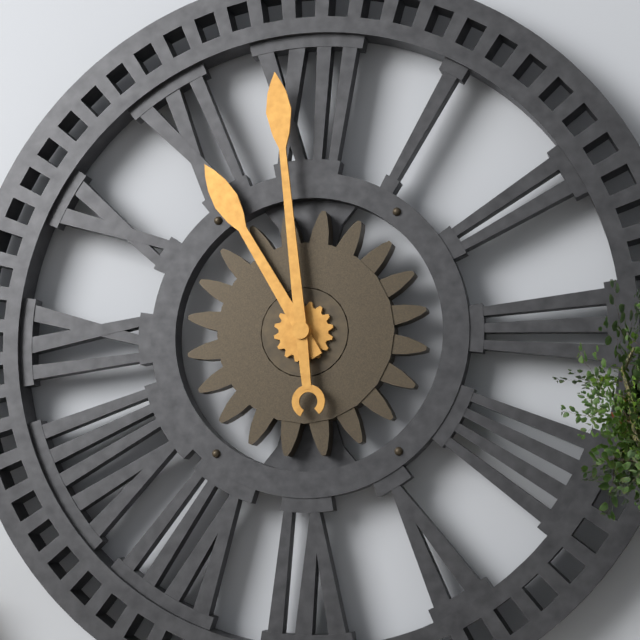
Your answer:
**10:59**
